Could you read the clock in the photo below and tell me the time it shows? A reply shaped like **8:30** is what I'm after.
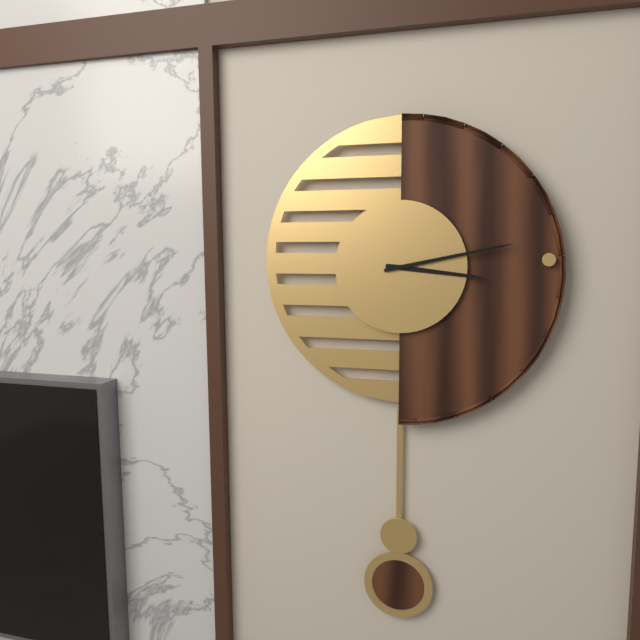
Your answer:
**3:13**
